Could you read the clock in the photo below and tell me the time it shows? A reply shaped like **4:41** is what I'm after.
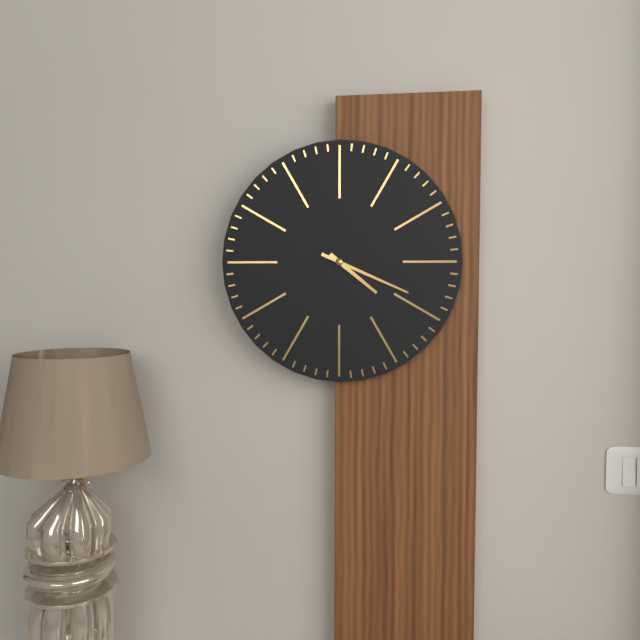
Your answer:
**4:19**
